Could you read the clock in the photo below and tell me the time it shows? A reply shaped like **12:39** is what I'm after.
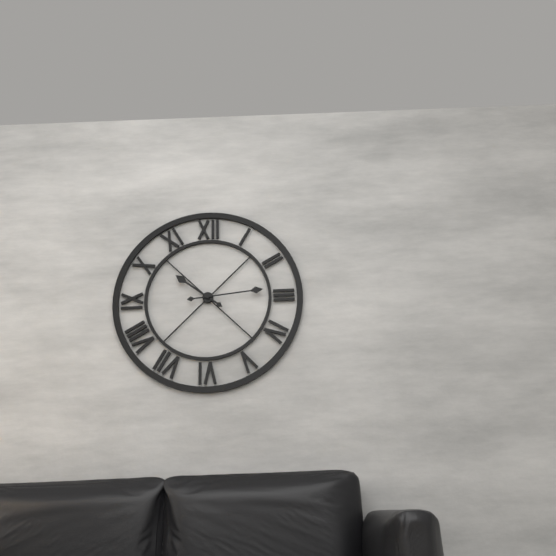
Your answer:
**10:14**
